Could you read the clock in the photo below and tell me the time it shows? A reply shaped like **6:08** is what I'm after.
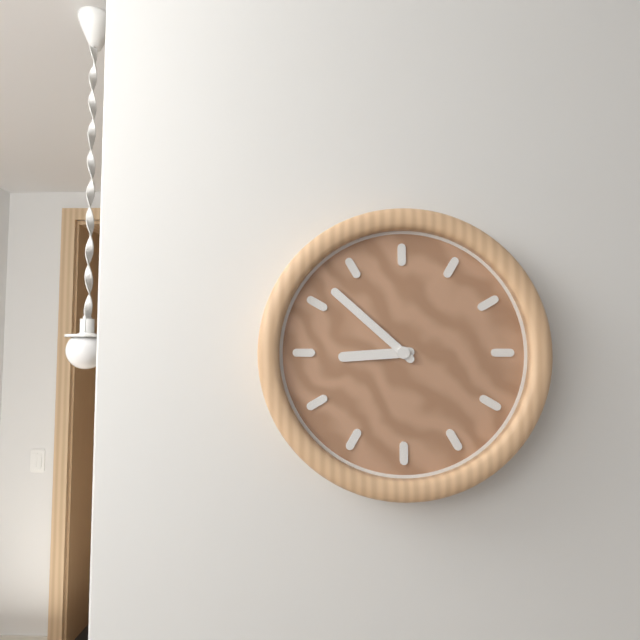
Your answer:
**8:52**
